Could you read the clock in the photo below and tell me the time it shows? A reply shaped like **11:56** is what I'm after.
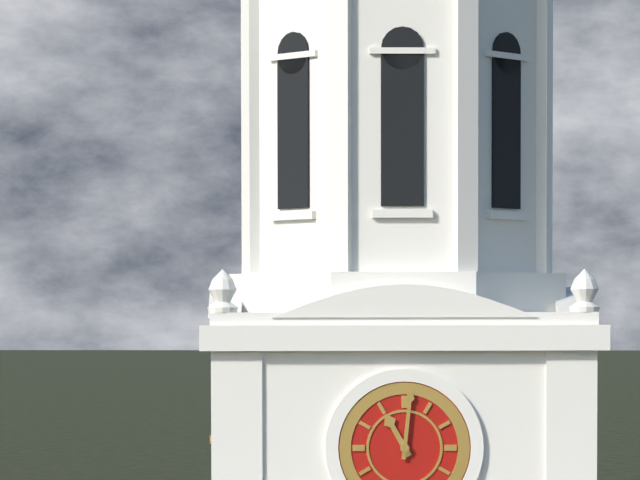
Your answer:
**11:01**
